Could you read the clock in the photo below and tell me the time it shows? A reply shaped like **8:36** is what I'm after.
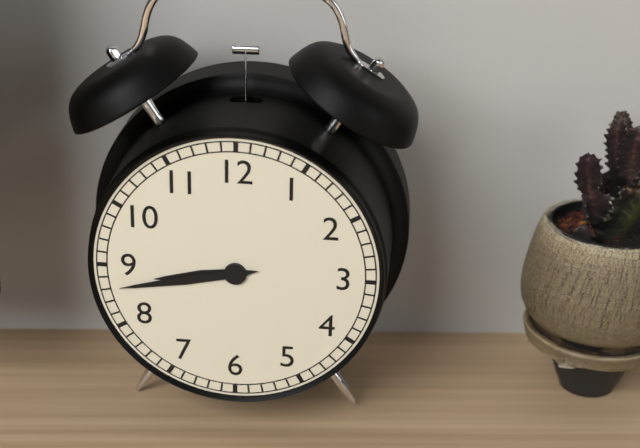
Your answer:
**8:43**
